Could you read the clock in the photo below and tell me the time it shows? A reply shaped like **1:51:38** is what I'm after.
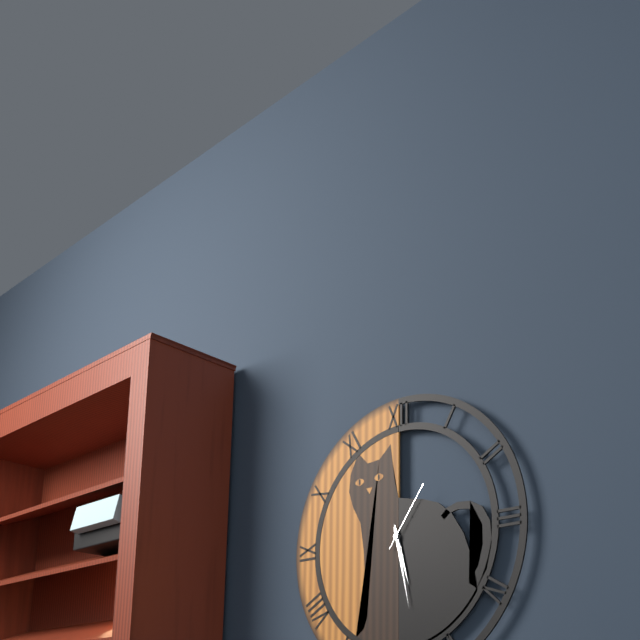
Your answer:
**5:28:06**
